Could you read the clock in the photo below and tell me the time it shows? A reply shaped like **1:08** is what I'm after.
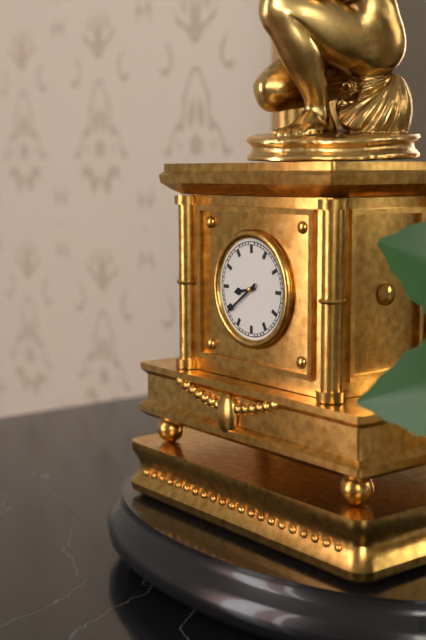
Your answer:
**8:39**
